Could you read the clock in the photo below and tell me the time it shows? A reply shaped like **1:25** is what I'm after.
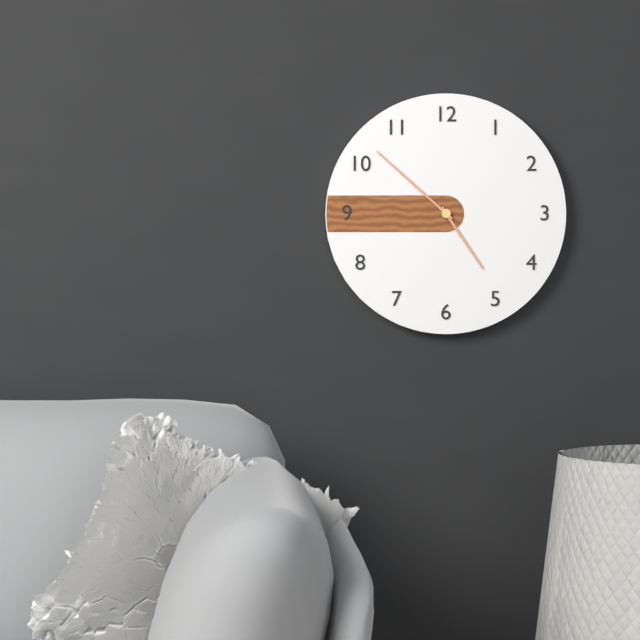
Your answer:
**4:52**
